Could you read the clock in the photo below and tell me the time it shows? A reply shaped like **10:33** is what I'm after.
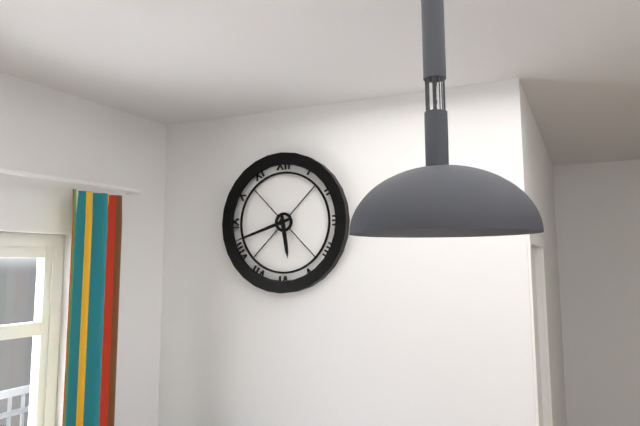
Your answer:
**5:42**
